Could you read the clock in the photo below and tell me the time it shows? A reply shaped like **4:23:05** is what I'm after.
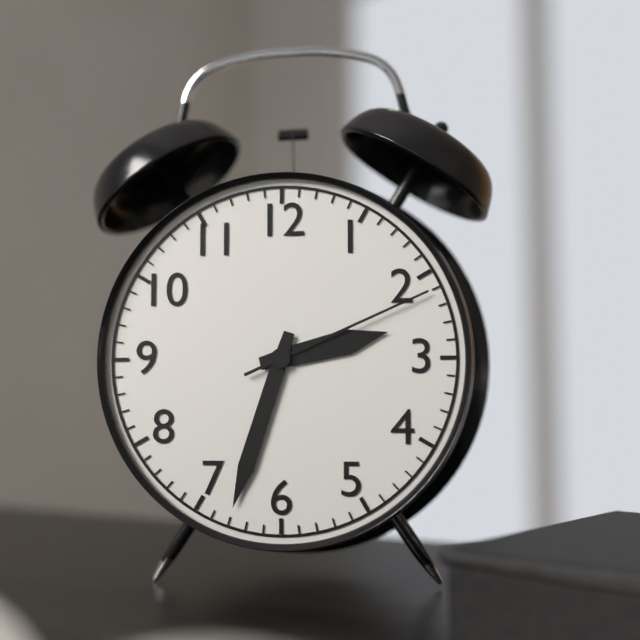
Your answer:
**2:33:11**
